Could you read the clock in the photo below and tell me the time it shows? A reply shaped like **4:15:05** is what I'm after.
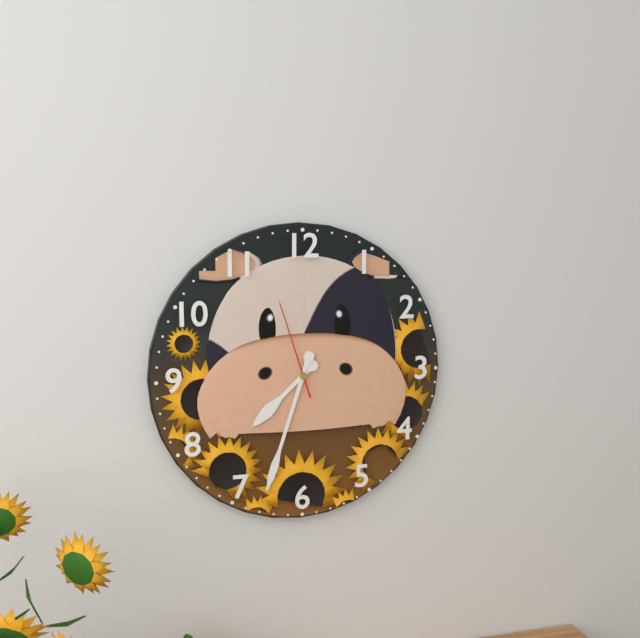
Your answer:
**7:33:57**
